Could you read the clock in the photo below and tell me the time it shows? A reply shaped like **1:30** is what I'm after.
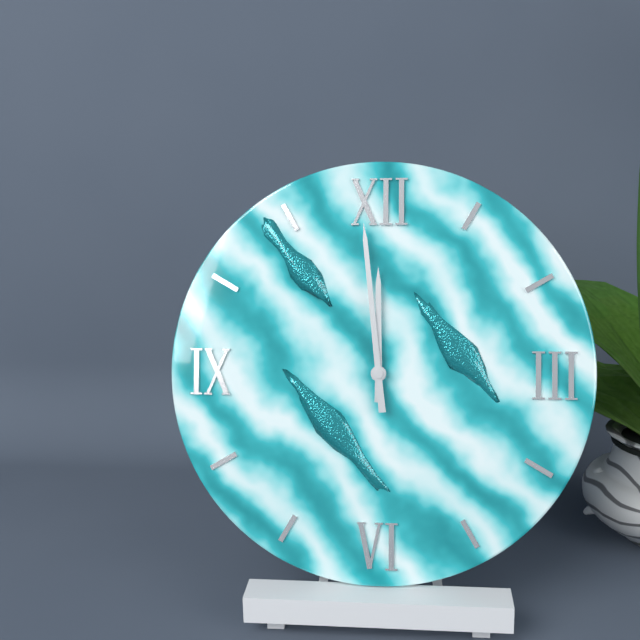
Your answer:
**11:59**
